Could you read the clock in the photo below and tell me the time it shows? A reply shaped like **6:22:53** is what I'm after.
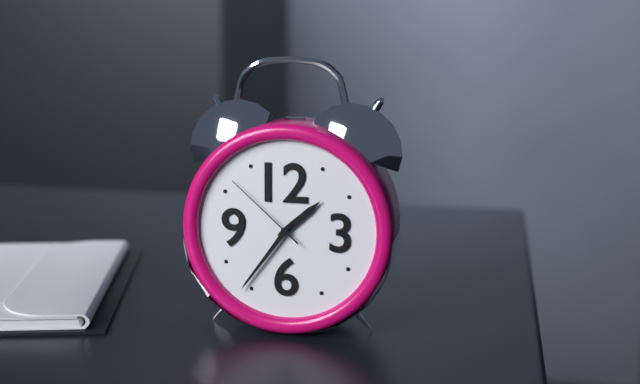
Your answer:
**1:36:52**
